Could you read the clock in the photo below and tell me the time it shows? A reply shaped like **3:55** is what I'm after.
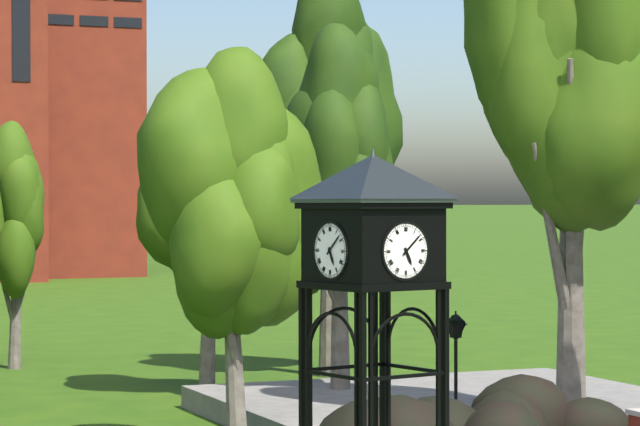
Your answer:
**5:08**
